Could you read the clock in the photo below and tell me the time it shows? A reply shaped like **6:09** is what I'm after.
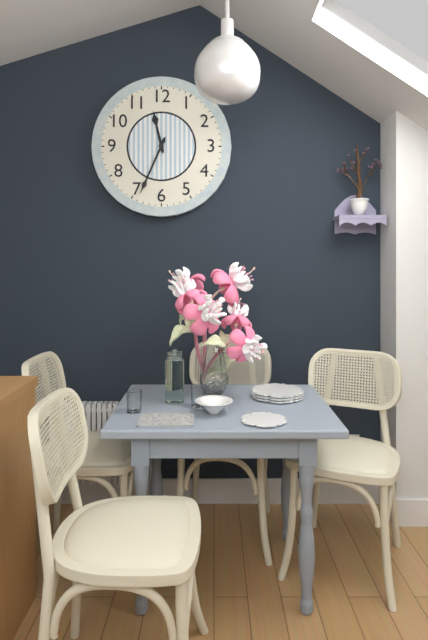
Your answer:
**11:34**
